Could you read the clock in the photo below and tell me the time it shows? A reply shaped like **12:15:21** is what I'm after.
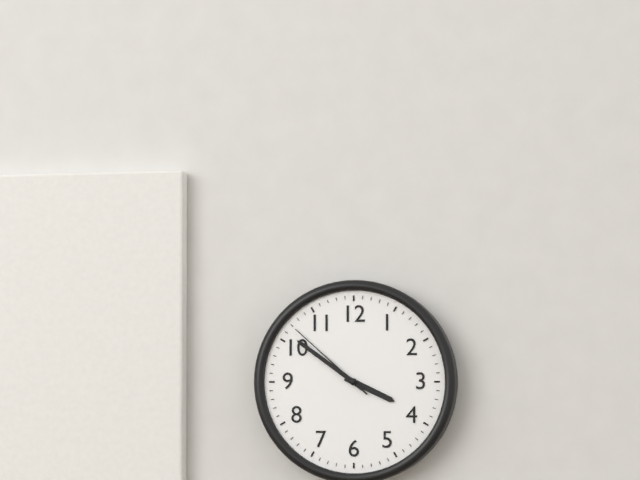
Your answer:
**3:51:52**
